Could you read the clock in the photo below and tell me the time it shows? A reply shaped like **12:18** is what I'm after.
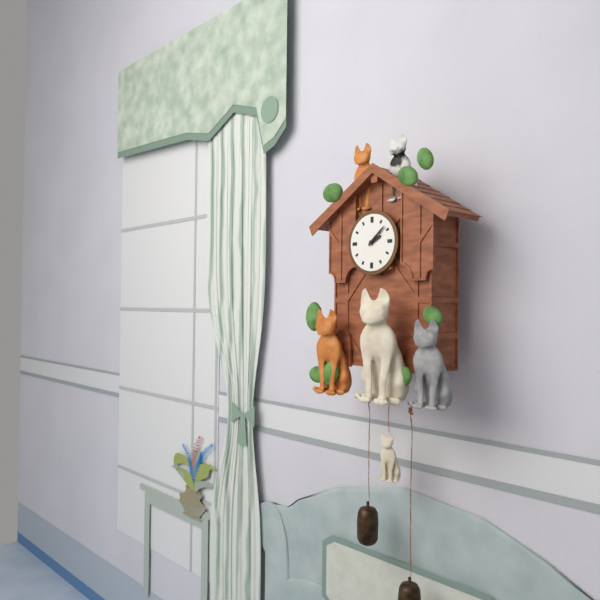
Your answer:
**2:08**
